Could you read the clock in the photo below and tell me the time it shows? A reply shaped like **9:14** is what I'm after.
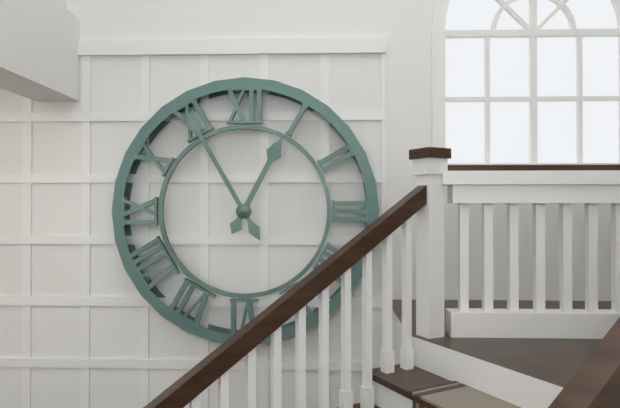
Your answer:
**12:55**
